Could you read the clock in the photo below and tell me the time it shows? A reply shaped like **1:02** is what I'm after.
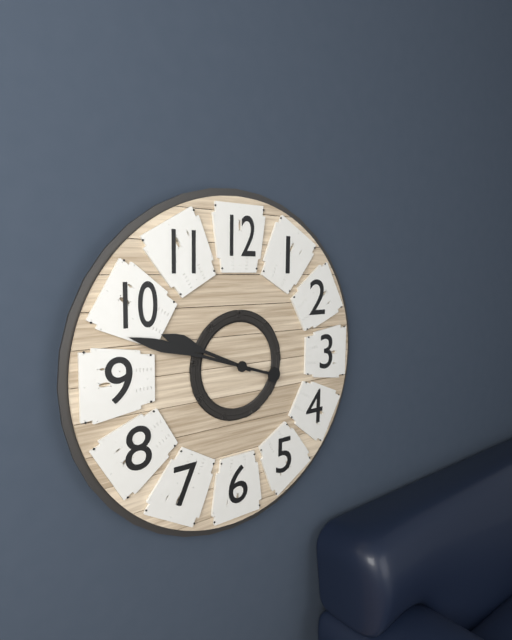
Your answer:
**9:48**
